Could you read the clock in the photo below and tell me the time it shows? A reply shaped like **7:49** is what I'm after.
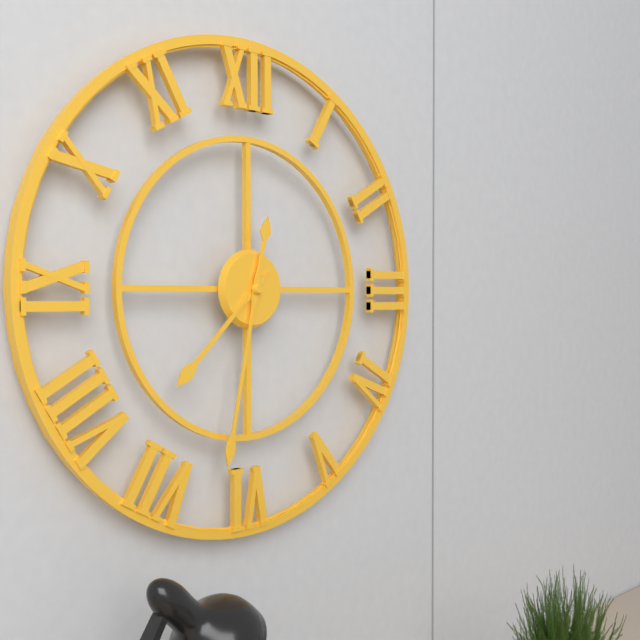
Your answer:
**7:32**
